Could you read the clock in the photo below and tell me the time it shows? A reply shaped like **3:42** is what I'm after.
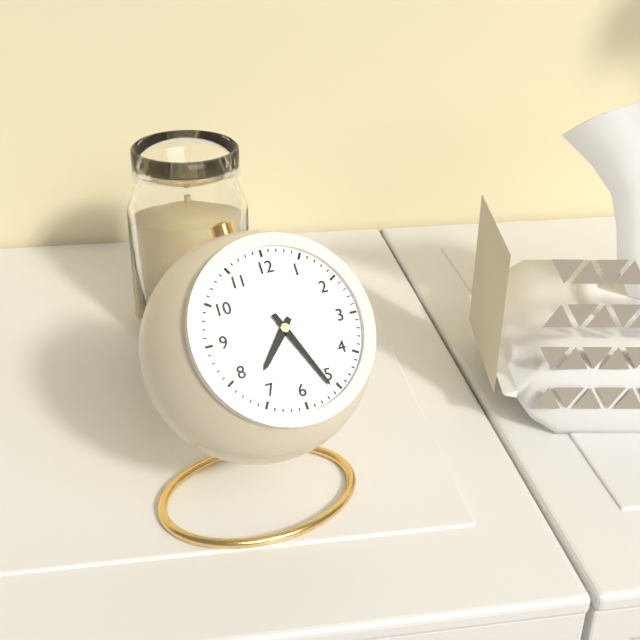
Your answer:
**7:26**
